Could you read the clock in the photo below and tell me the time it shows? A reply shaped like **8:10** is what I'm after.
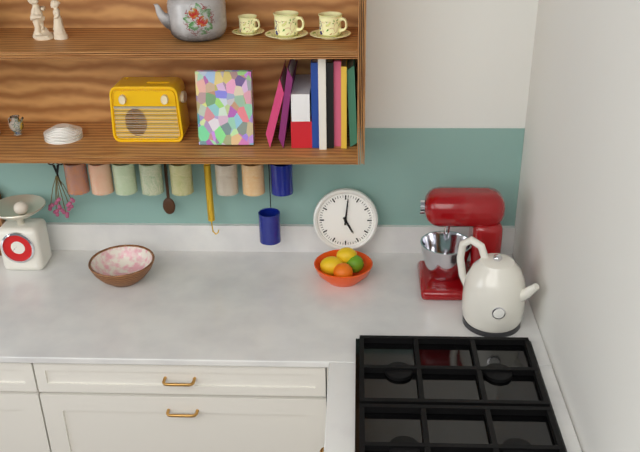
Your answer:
**5:01**
